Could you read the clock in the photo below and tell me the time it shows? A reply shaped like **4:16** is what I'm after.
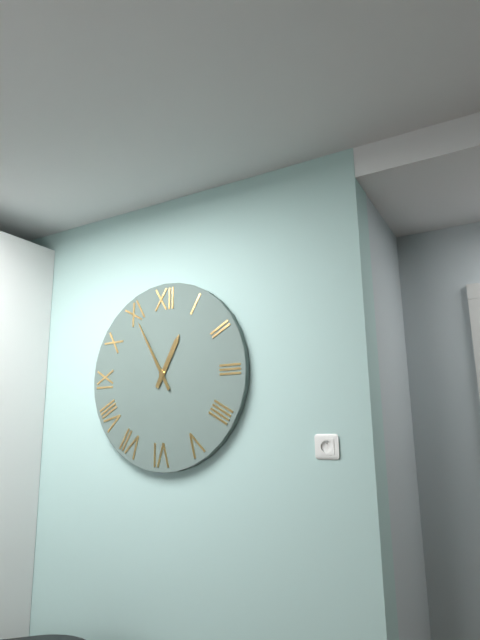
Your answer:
**12:55**
